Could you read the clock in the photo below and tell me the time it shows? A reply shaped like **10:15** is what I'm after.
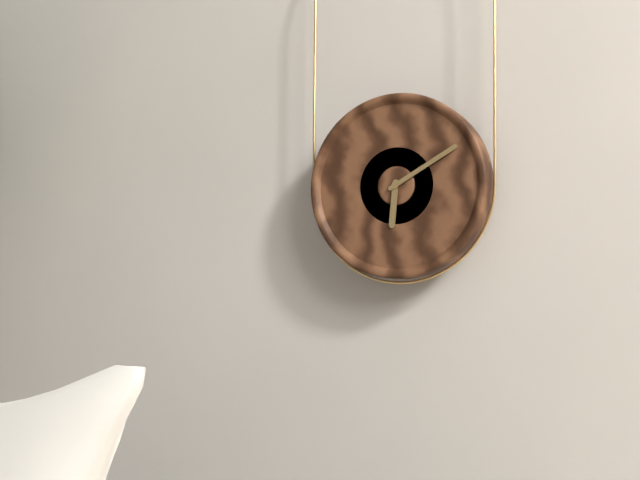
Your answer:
**6:10**
